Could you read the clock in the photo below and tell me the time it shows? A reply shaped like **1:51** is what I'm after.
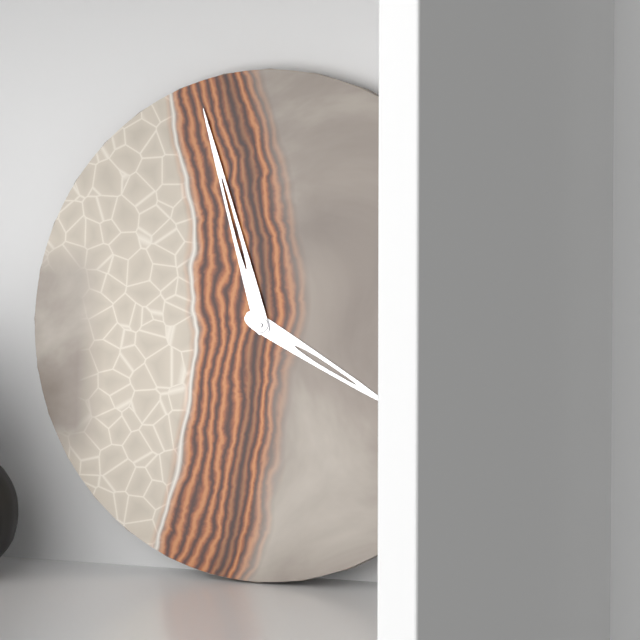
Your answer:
**3:57**
